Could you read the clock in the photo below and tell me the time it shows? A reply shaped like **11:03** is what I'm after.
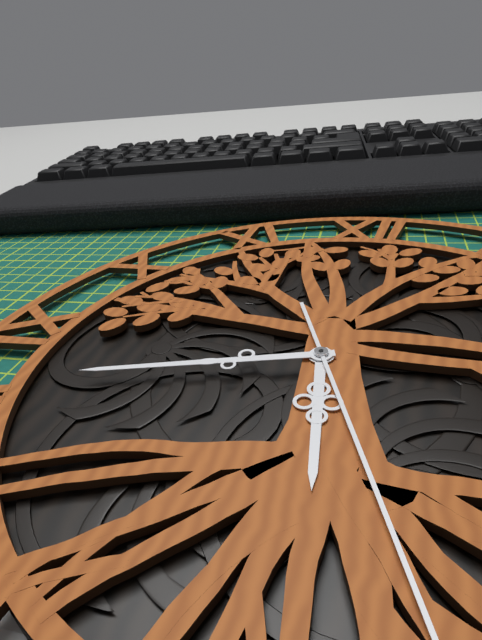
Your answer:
**5:42**
